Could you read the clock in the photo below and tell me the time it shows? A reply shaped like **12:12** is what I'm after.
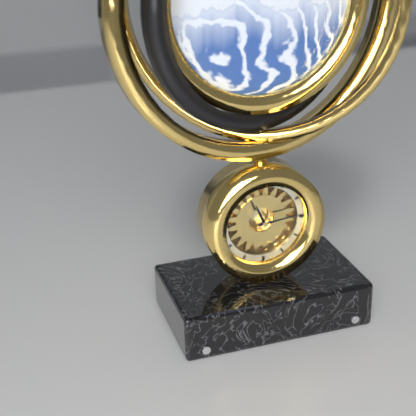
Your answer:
**11:14**
